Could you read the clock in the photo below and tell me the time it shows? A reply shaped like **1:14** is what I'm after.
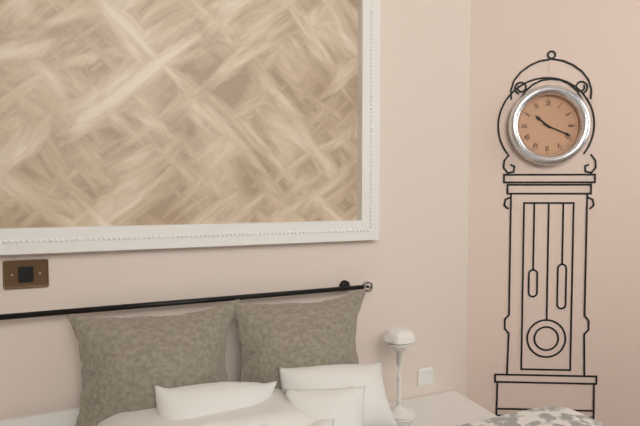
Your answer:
**10:19**
